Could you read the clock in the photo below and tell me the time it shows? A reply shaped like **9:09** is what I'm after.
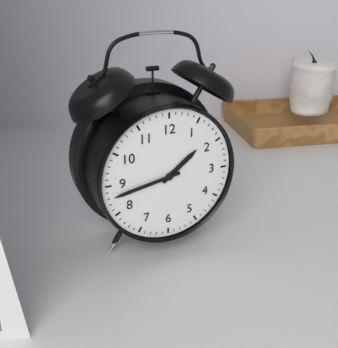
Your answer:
**1:43**
